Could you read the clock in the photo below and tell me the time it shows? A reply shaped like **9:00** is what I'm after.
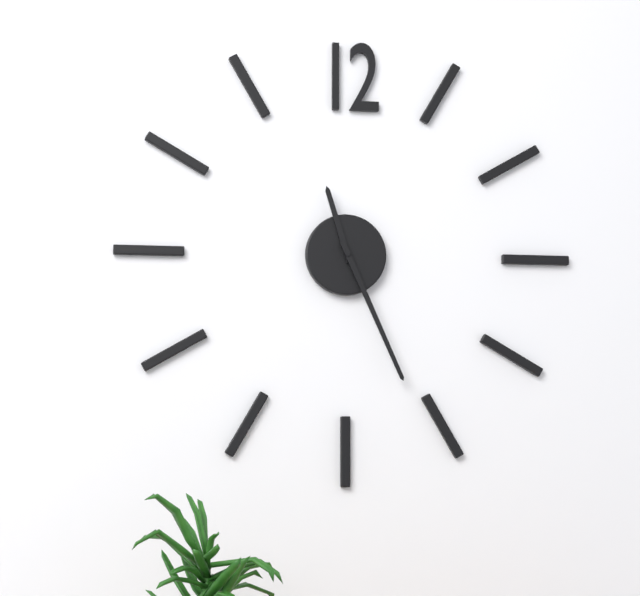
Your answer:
**11:26**
